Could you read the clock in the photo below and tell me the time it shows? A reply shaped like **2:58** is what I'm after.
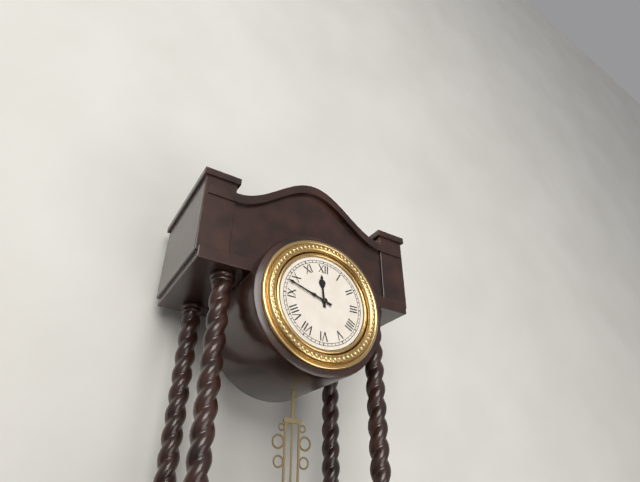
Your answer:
**11:48**
